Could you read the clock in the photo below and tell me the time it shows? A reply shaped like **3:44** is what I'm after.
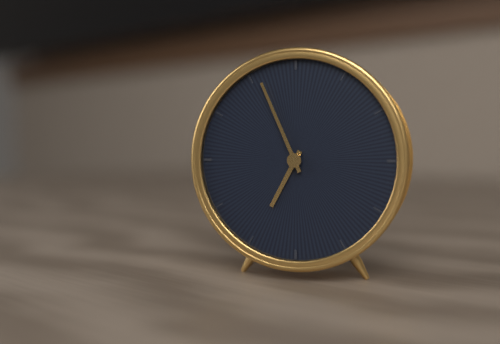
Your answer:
**6:56**
